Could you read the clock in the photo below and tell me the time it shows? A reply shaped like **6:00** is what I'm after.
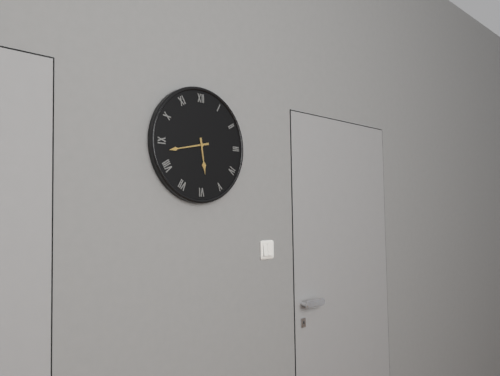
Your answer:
**5:43**
